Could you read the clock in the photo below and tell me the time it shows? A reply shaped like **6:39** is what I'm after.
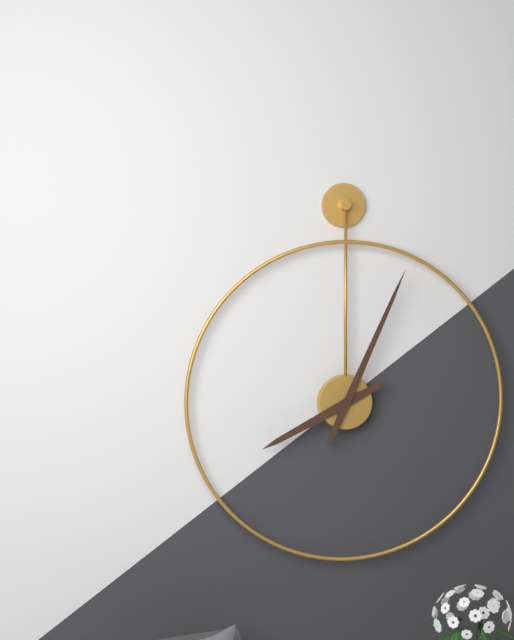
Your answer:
**8:04**
